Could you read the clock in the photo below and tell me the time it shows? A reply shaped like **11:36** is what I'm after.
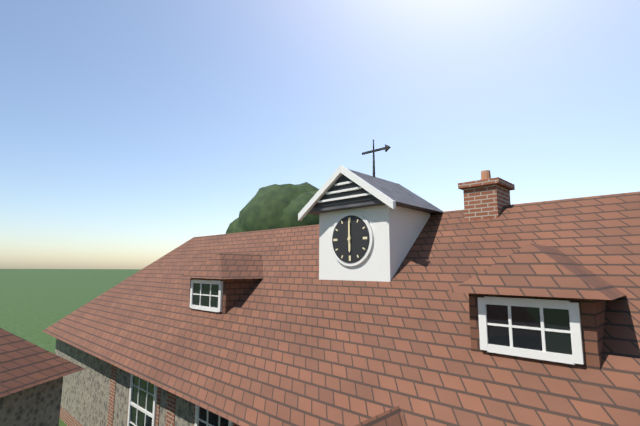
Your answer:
**6:00**
